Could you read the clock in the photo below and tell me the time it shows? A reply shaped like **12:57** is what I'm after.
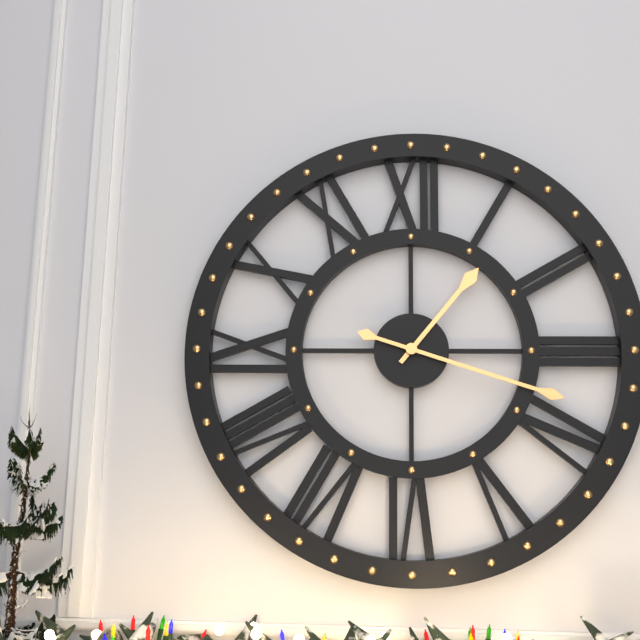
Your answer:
**1:18**
